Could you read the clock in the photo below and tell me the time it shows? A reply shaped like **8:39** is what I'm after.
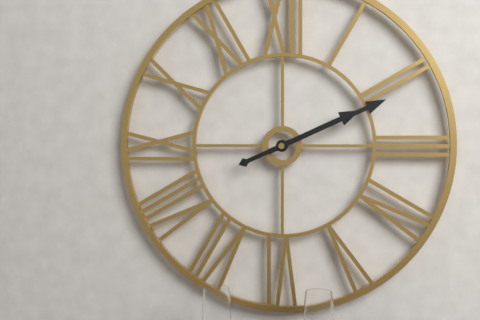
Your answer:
**2:11**
